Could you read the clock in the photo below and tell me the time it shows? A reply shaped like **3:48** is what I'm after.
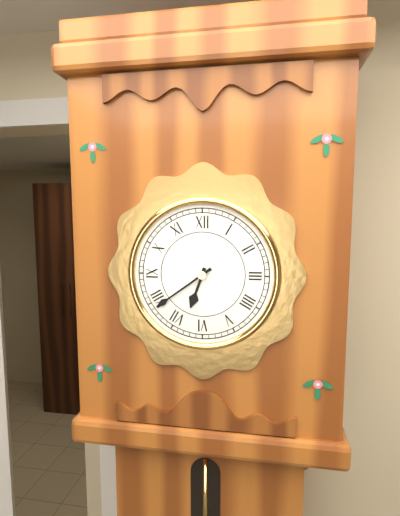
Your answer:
**6:39**
